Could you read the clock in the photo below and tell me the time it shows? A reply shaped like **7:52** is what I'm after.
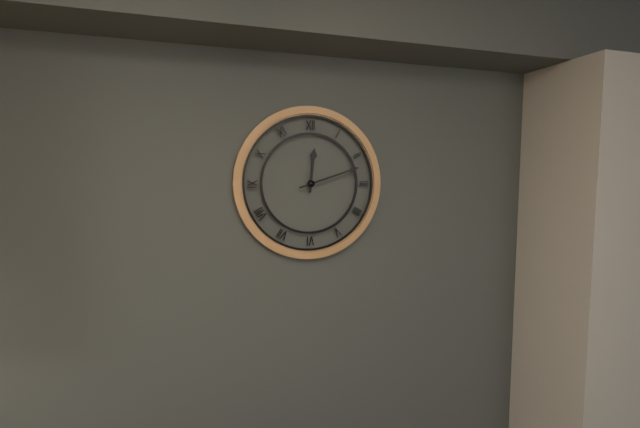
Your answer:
**12:12**
